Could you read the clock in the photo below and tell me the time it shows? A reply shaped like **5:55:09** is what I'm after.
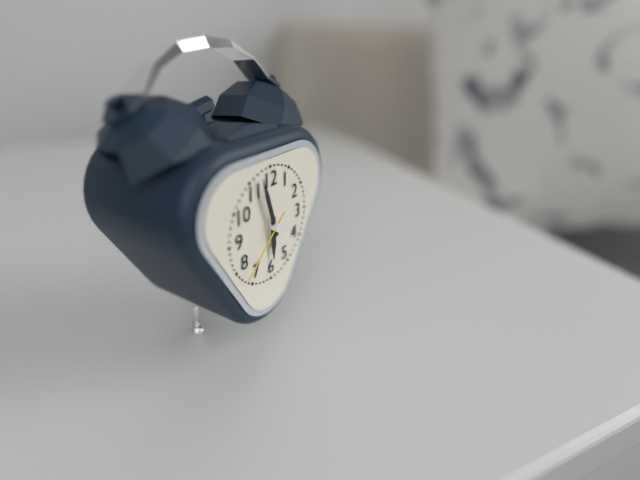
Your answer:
**5:57:38**
